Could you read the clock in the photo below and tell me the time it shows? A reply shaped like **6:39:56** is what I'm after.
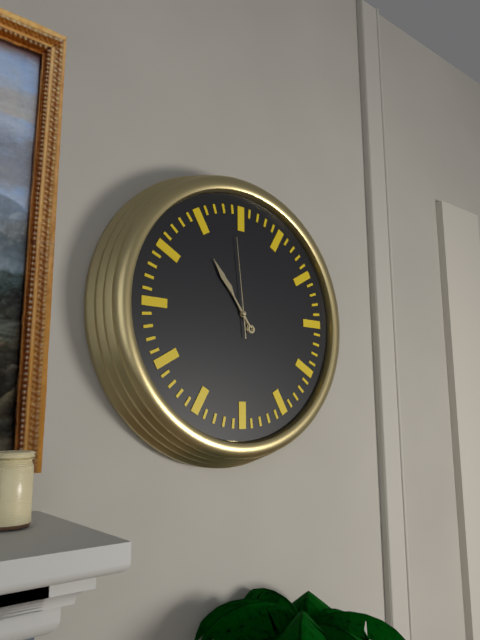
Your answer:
**10:54:59**
